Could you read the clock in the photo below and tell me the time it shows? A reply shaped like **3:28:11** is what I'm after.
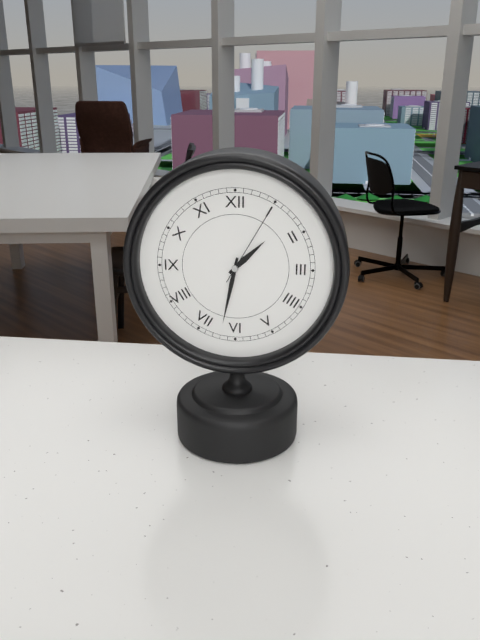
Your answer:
**1:32:05**
